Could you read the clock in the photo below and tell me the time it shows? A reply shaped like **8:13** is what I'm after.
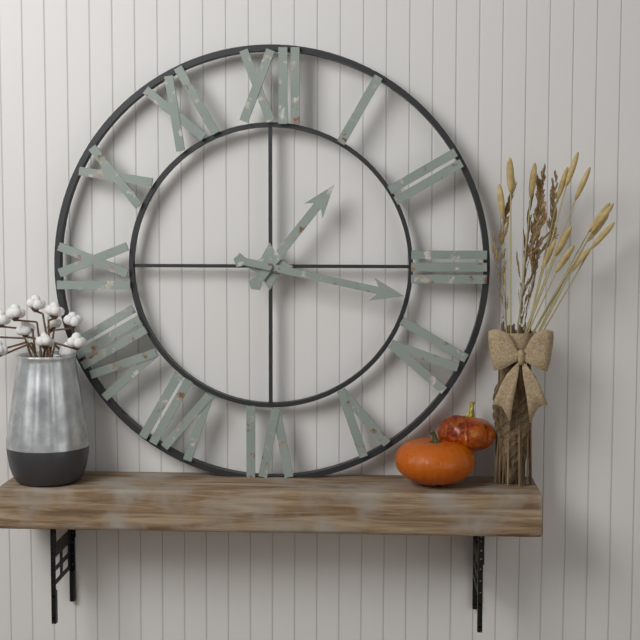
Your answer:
**1:17**
